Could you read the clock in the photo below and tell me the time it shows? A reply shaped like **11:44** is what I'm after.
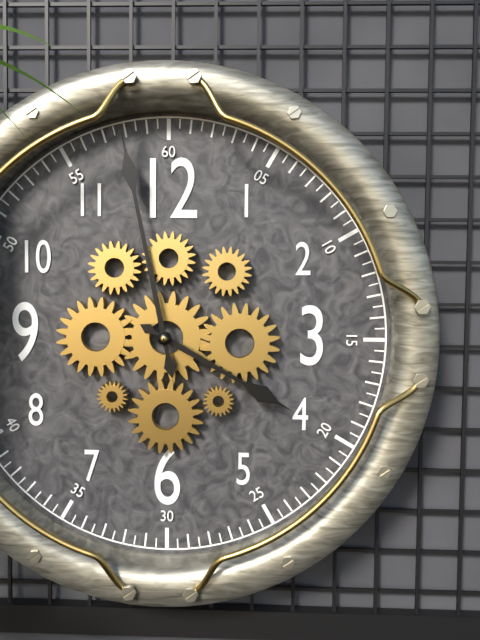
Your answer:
**3:58**
